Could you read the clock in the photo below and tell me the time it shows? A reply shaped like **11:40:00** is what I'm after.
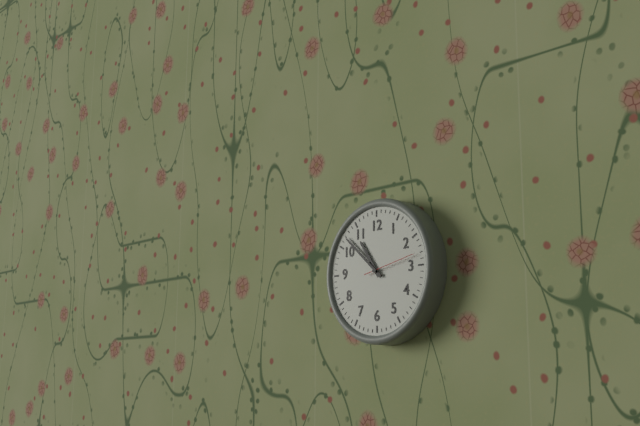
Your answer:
**10:52:13**
